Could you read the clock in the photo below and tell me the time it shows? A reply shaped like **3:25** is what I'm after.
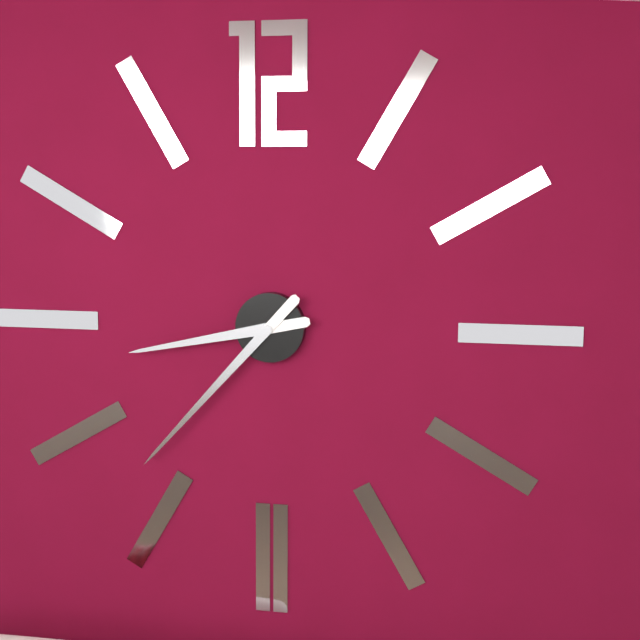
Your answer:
**8:37**
